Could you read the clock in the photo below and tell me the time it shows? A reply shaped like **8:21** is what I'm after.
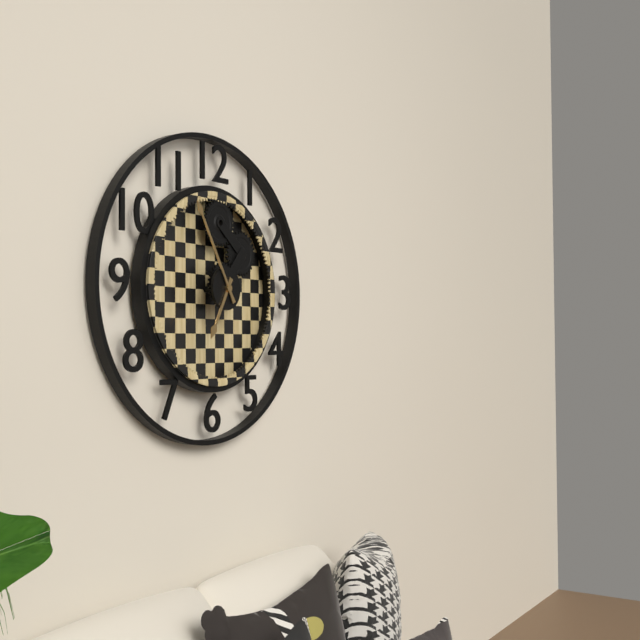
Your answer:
**6:55**
